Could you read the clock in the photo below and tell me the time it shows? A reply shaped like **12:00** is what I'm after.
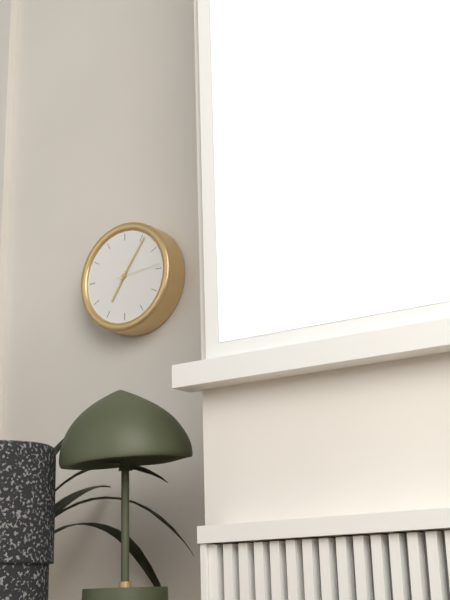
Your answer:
**7:06**
